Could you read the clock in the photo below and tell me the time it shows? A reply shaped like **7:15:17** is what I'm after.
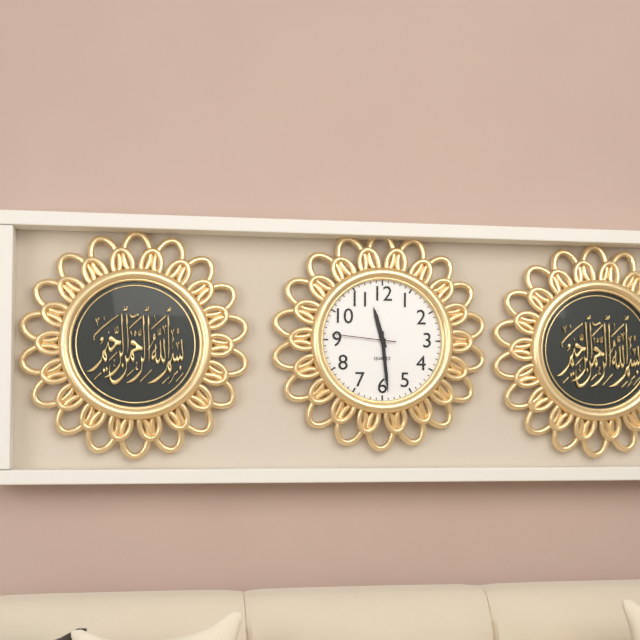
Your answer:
**11:29:46**
